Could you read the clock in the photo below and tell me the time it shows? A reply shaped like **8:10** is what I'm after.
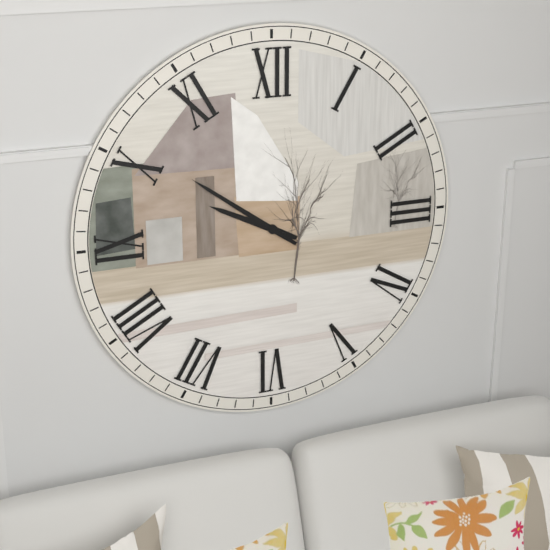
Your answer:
**9:51**
